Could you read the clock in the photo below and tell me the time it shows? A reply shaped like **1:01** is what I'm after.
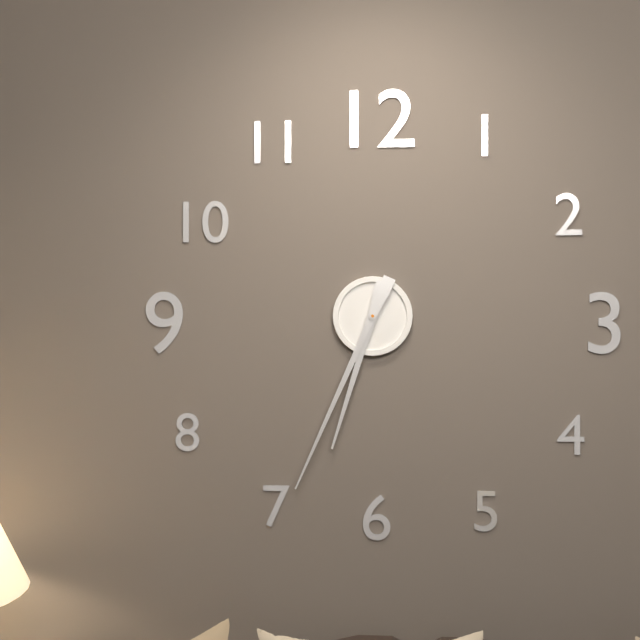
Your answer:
**6:34**
